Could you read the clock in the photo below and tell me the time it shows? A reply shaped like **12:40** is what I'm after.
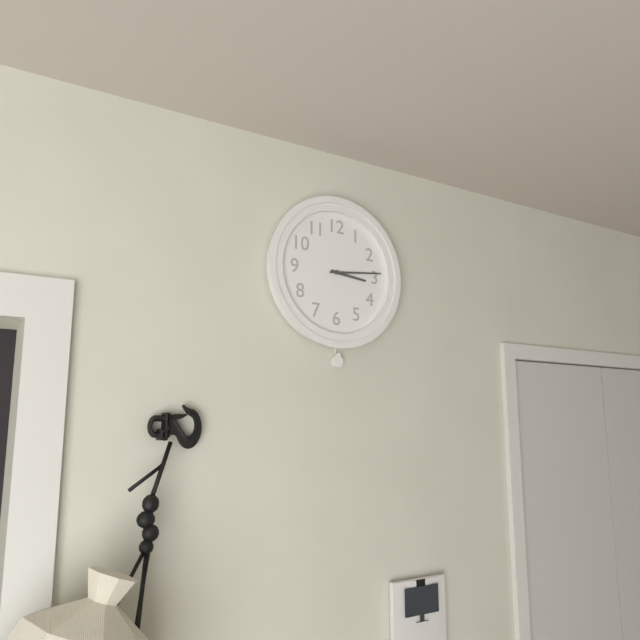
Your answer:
**3:14**
